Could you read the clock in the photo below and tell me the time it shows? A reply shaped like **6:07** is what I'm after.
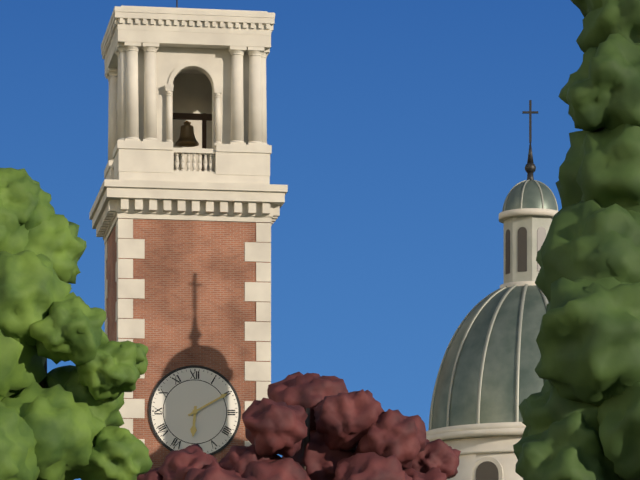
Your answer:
**6:10**
